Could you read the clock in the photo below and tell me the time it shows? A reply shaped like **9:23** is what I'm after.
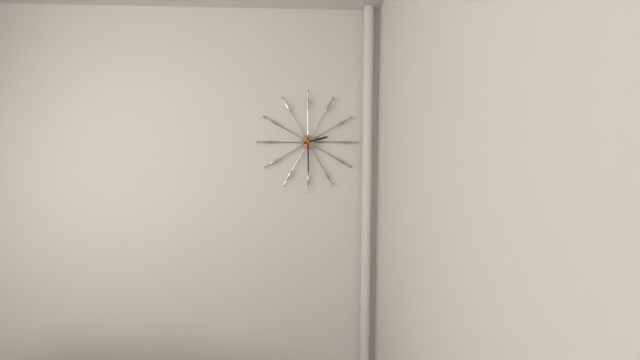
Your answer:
**2:30**
